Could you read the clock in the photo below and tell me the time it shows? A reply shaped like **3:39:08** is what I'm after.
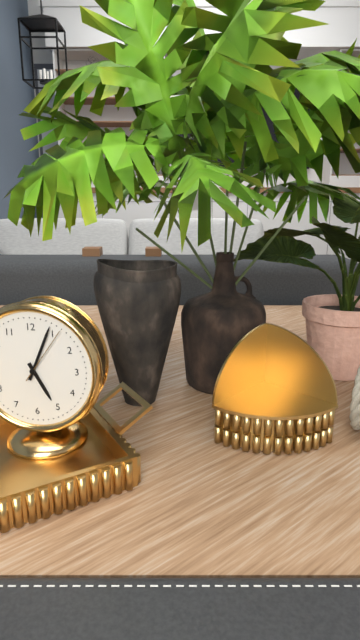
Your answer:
**5:04:06**
